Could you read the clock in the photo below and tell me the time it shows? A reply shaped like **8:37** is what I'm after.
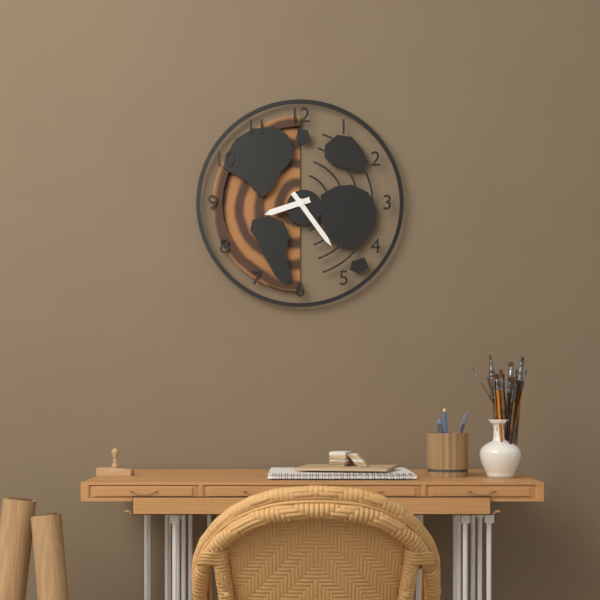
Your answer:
**8:24**
